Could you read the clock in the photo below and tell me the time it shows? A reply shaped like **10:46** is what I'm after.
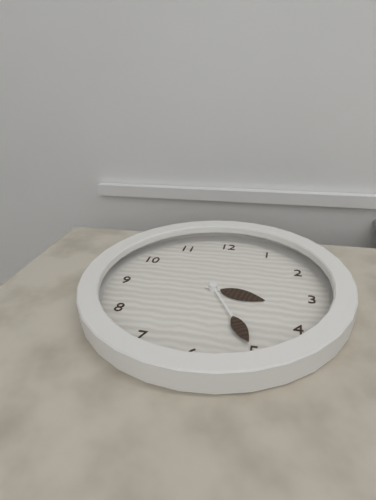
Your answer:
**3:25**
